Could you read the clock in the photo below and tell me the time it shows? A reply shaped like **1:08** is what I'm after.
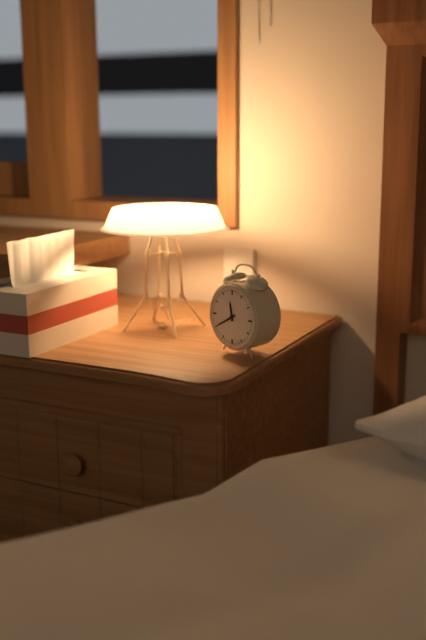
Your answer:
**11:40**
